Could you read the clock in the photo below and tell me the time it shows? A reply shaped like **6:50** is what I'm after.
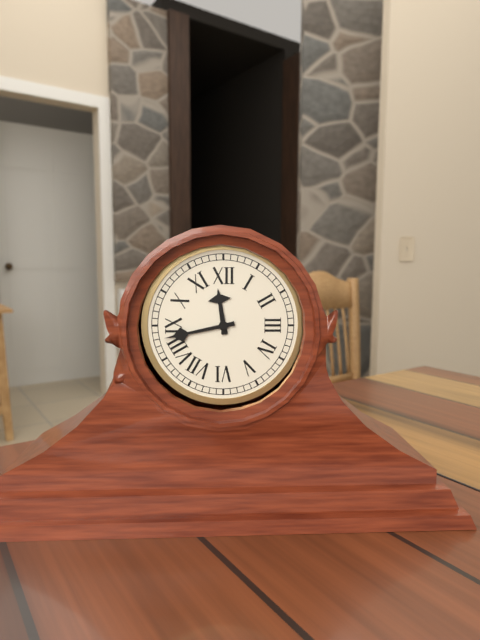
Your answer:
**11:43**
